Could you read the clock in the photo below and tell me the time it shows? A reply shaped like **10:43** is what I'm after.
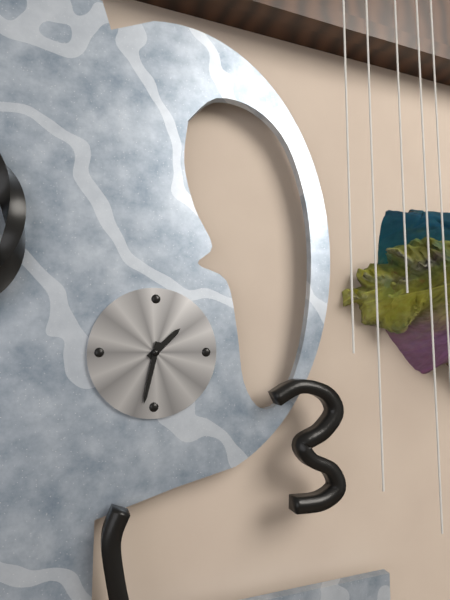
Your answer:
**1:32**
